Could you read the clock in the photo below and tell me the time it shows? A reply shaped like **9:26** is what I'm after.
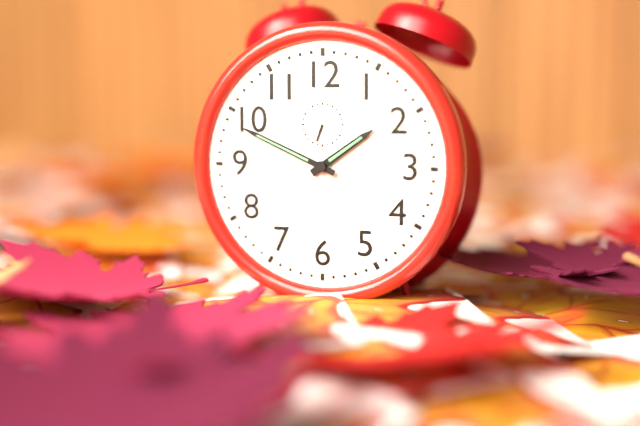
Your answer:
**1:49**
